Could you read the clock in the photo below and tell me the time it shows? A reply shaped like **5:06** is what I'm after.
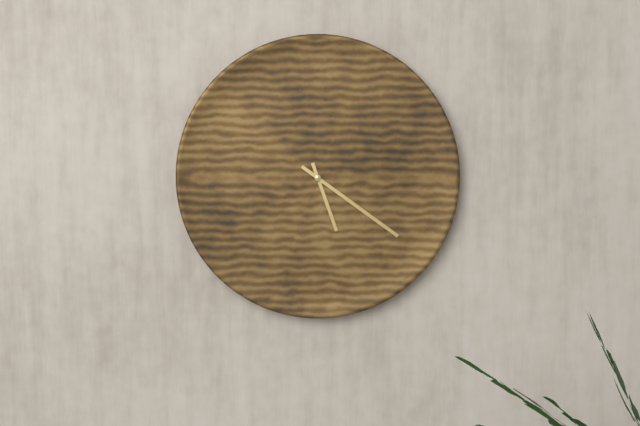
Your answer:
**5:21**
